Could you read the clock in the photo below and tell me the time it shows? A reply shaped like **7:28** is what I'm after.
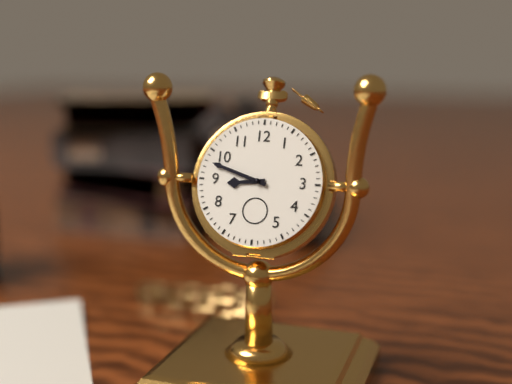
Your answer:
**8:48**
